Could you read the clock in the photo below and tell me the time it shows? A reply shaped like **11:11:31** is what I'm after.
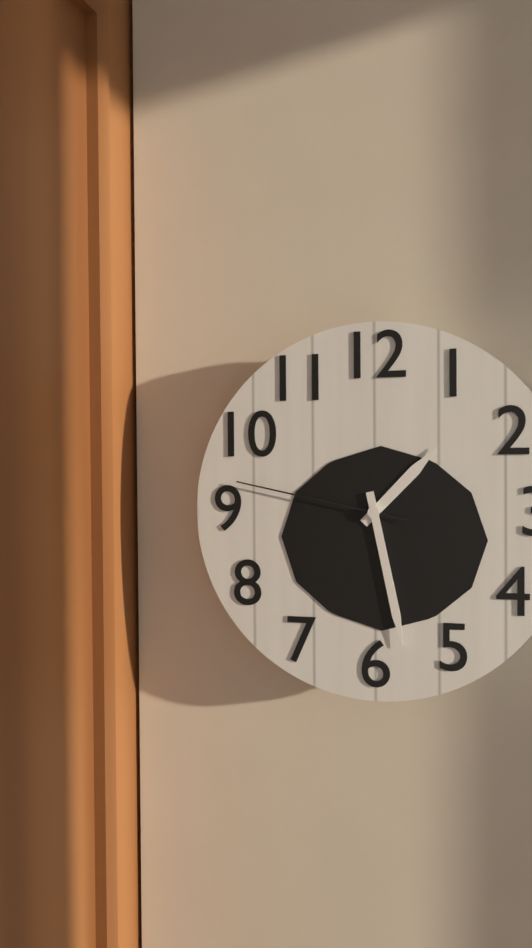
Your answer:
**1:28:47**
